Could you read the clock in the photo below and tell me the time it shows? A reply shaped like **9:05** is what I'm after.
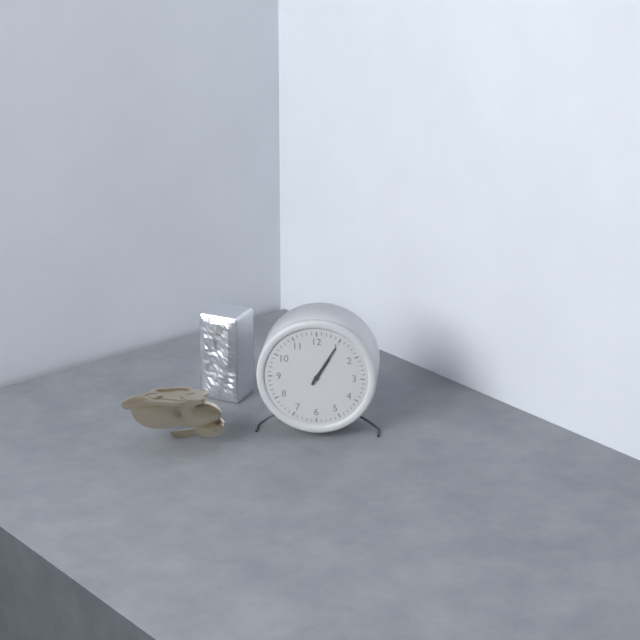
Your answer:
**1:05**
